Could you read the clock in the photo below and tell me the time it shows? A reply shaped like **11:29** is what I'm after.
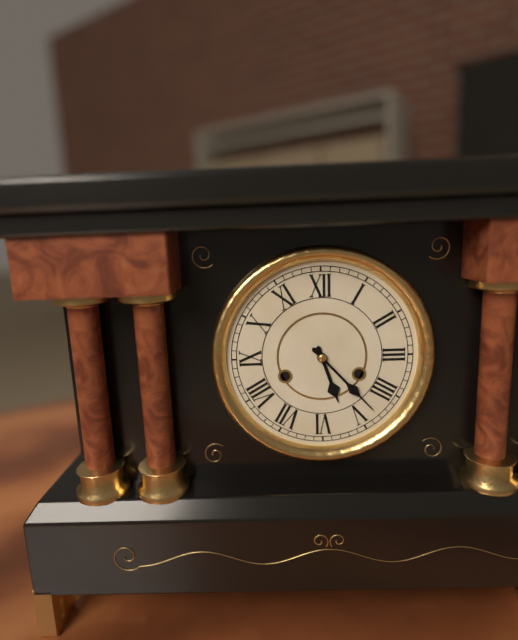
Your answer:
**5:23**
